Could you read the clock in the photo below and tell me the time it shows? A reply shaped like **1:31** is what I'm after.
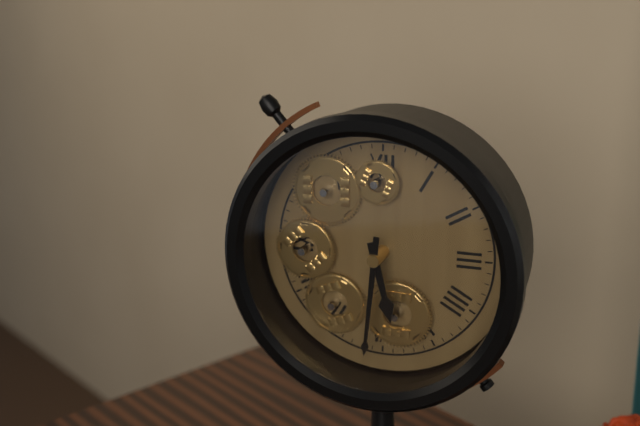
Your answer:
**5:31**
